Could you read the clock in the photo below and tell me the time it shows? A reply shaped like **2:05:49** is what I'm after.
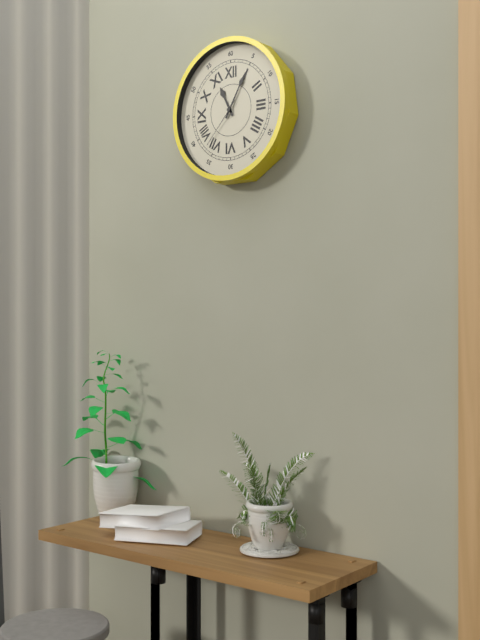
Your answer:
**11:05:37**
